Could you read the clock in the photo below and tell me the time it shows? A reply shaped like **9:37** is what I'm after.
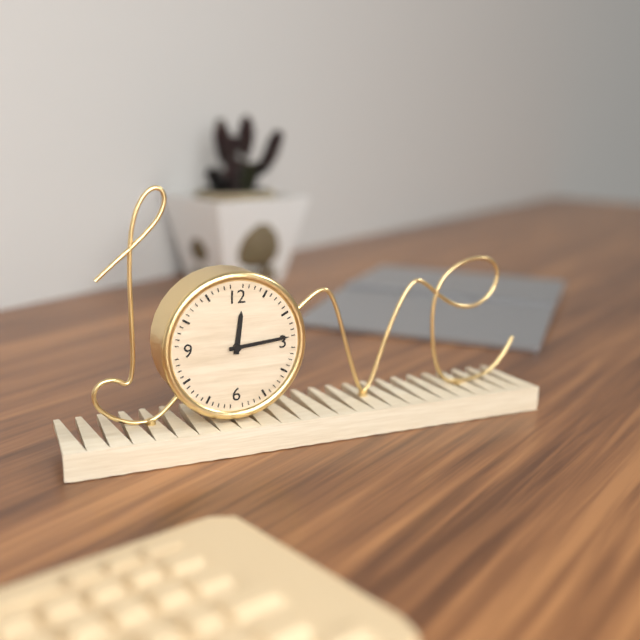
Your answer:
**12:14**
